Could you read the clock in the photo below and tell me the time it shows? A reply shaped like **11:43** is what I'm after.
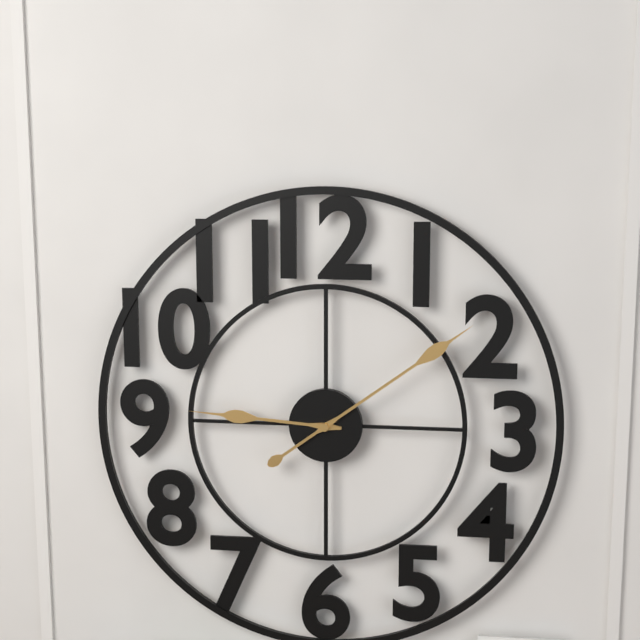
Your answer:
**9:09**
